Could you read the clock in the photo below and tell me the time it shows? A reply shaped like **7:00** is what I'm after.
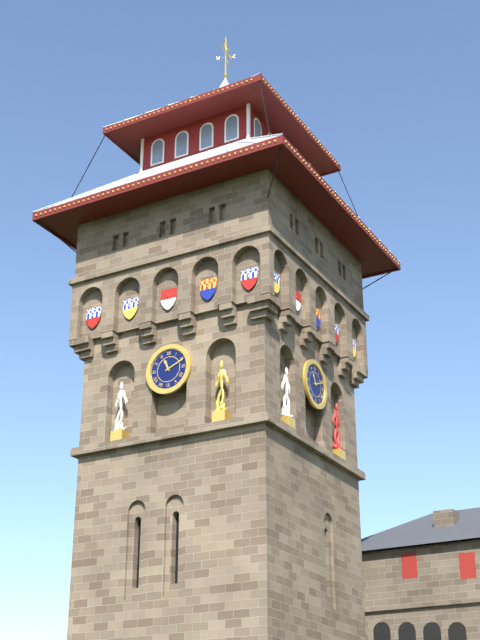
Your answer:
**11:11**
